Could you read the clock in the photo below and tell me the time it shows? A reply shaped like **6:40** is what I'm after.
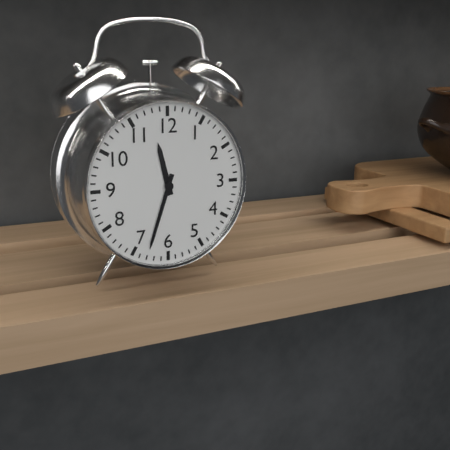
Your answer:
**11:33**
